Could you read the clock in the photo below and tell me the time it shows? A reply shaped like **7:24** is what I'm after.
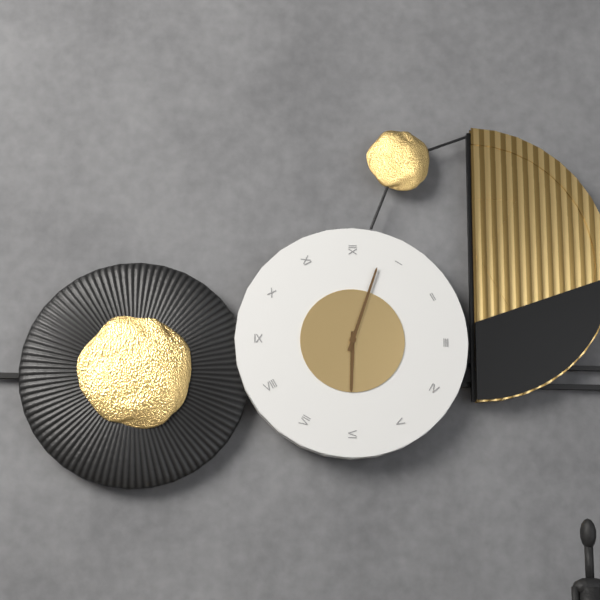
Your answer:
**6:03**
